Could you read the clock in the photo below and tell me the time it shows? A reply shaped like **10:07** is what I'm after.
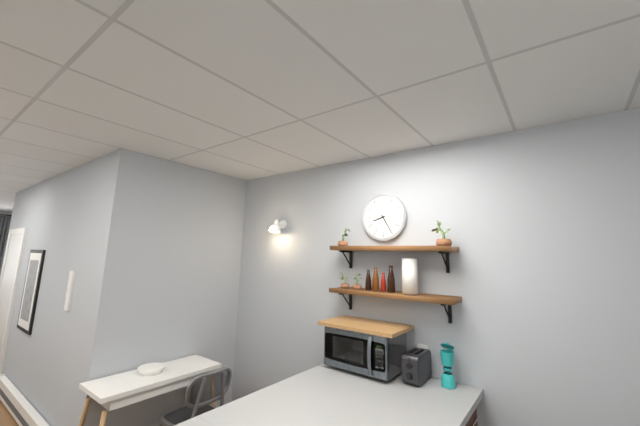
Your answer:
**8:25**
